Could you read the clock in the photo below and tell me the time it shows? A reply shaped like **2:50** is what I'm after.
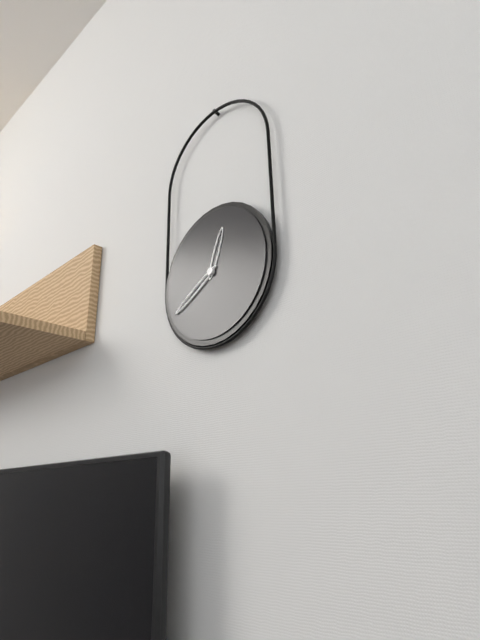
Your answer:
**12:40**
